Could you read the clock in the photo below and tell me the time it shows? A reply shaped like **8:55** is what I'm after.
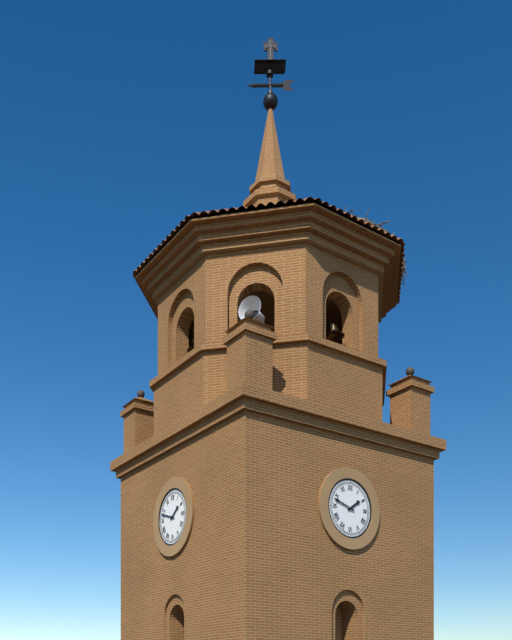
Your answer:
**1:48**
